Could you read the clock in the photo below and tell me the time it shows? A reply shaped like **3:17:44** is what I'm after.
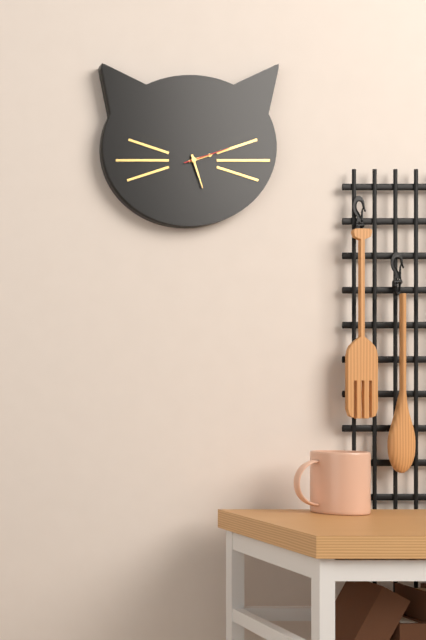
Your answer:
**2:27:12**
